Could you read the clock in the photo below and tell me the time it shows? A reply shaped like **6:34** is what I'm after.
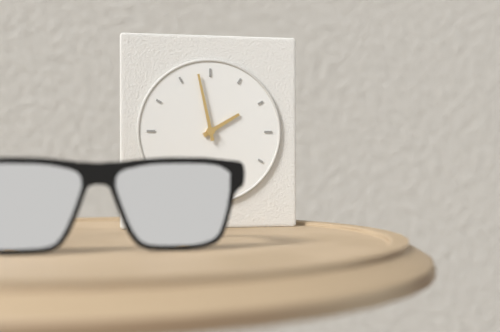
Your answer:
**1:58**
